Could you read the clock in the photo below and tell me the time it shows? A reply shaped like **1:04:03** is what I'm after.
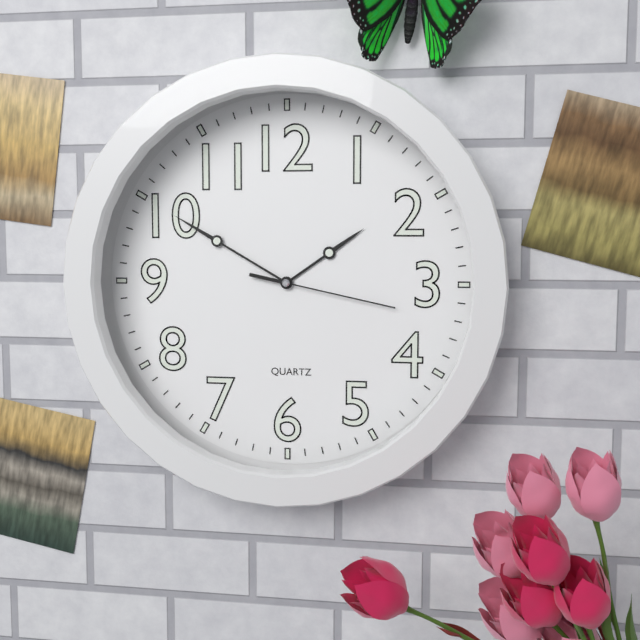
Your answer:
**1:50:17**
